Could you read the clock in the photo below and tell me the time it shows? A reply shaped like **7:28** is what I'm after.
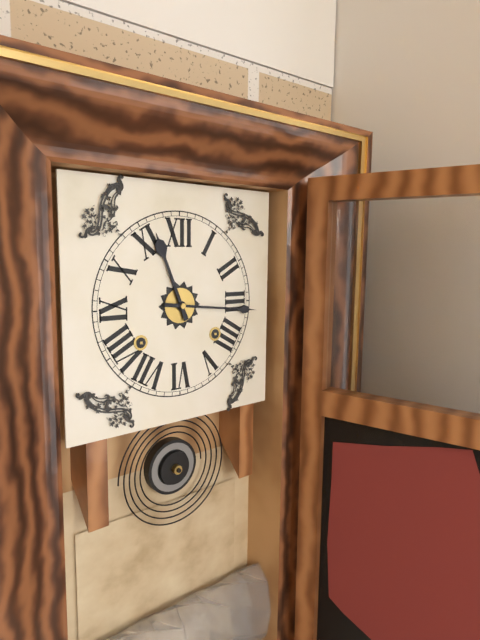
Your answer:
**11:16**
